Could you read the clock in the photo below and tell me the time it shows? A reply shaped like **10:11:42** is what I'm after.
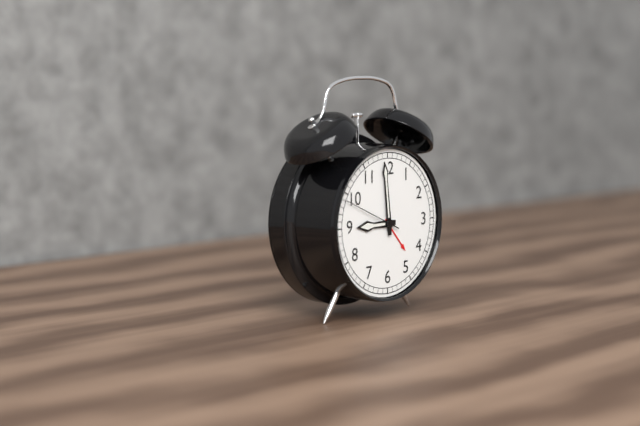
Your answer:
**8:59:49**
